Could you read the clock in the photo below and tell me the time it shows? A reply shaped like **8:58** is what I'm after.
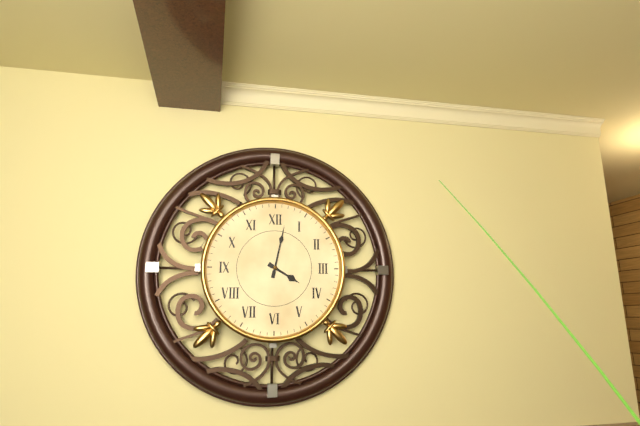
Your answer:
**4:02**
